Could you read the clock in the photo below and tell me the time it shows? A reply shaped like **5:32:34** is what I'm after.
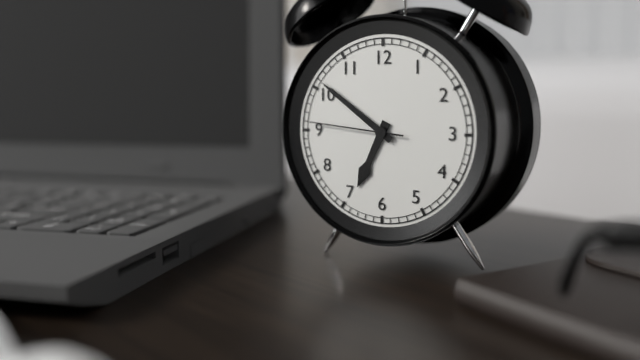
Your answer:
**6:51:46**
